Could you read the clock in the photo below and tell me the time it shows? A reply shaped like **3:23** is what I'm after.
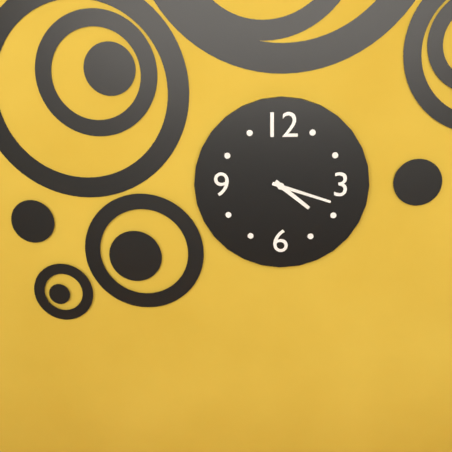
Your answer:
**4:18**
